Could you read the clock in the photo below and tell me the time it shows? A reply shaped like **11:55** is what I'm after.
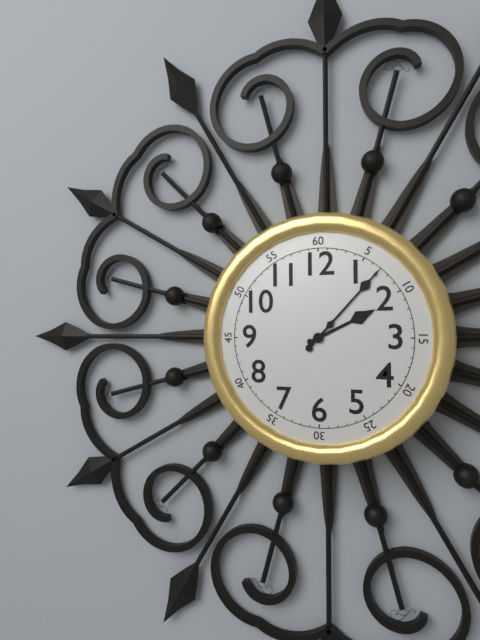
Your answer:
**2:07**
